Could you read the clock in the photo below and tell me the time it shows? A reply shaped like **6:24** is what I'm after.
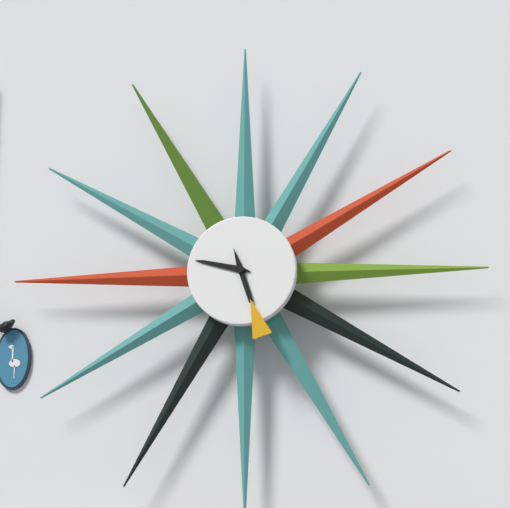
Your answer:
**9:27**
